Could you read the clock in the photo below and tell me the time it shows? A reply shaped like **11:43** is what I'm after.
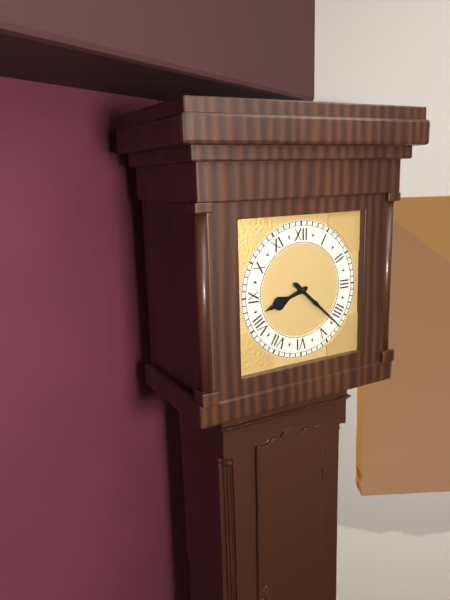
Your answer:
**8:22**
